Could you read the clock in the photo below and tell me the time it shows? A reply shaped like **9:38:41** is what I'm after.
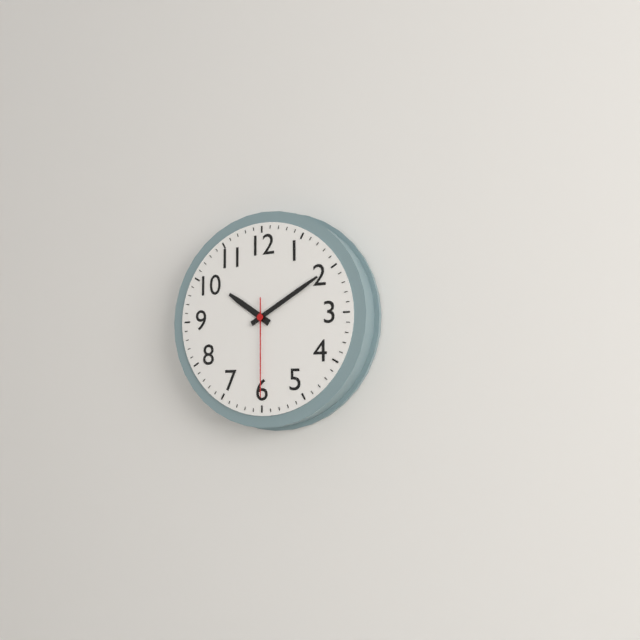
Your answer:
**10:10:30**
